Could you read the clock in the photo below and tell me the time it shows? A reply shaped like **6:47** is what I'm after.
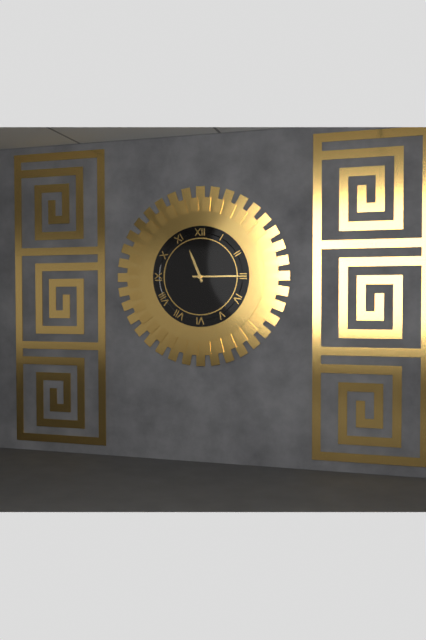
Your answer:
**11:15**
